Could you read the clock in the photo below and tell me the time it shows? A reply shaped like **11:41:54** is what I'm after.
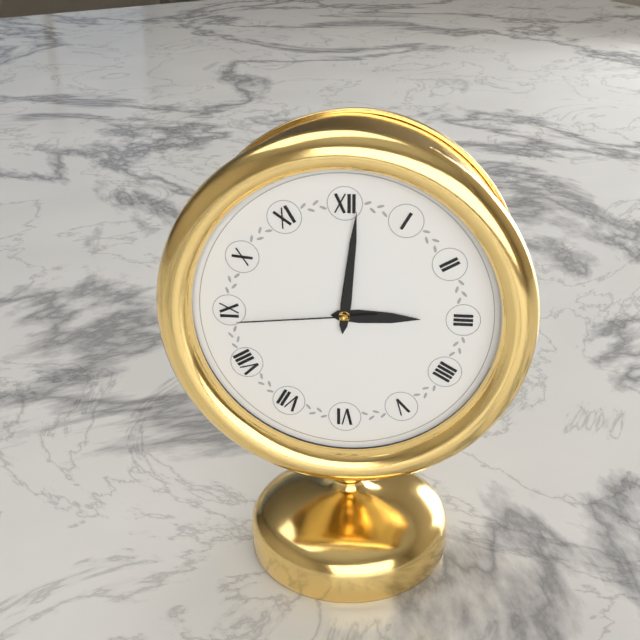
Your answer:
**3:01:44**
